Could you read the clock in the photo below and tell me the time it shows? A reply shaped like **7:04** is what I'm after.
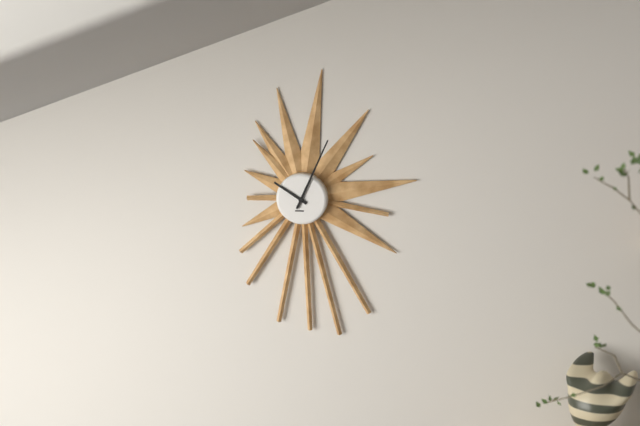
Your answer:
**10:04**
